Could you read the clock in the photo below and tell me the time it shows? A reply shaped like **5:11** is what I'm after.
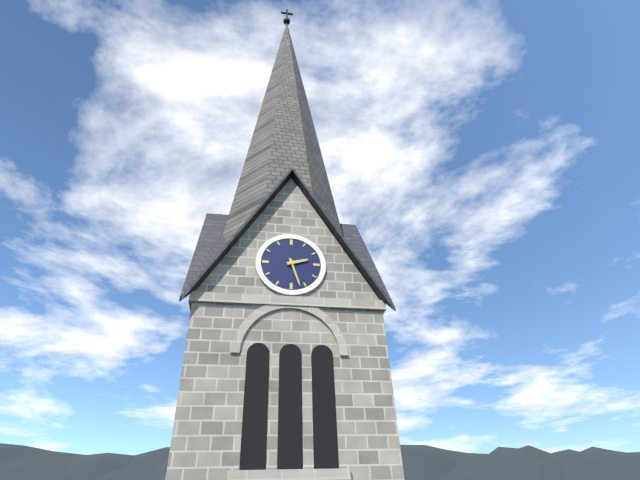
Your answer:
**2:27**
